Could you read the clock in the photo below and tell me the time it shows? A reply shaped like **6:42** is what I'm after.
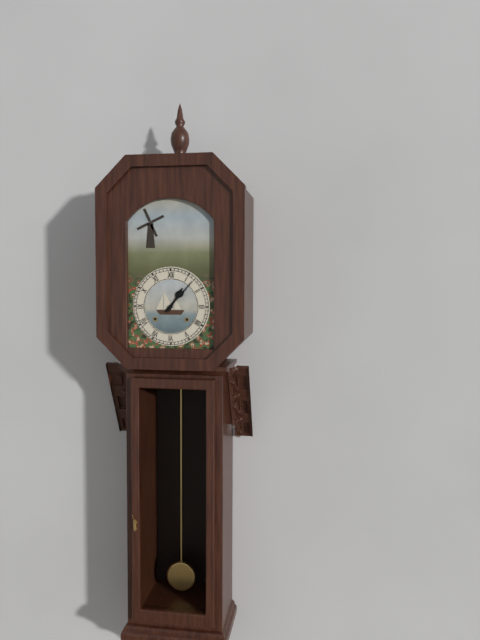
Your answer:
**1:07**
